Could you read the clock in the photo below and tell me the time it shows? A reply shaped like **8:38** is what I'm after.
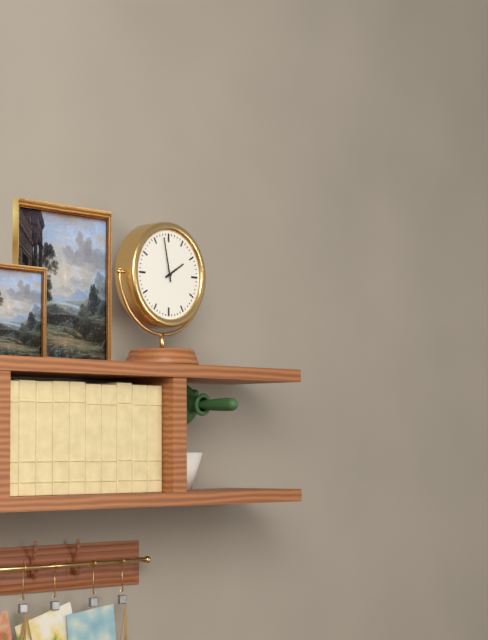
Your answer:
**1:58**
